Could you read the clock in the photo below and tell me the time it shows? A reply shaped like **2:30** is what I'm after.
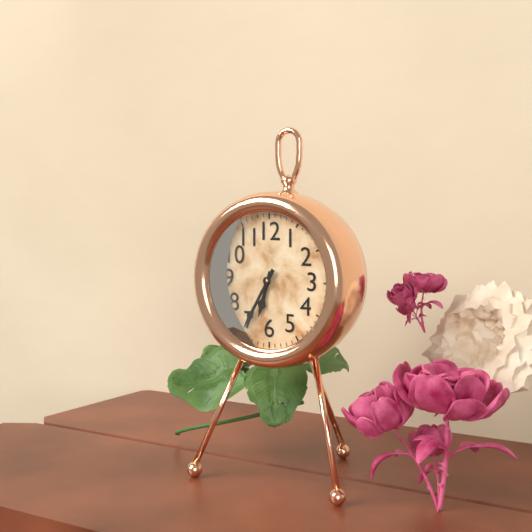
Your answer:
**6:35**
